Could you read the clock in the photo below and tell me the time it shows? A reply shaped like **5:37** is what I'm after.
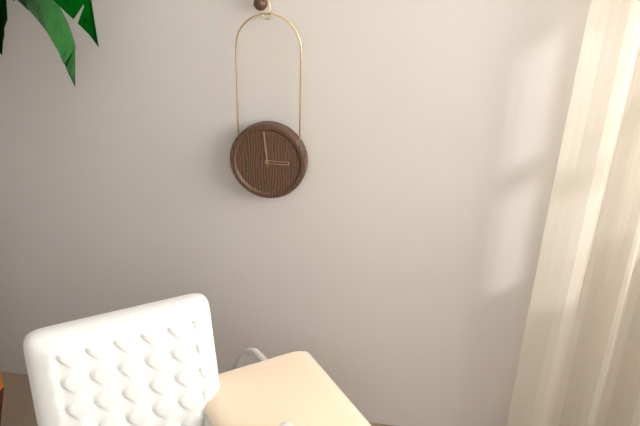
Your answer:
**2:59**
